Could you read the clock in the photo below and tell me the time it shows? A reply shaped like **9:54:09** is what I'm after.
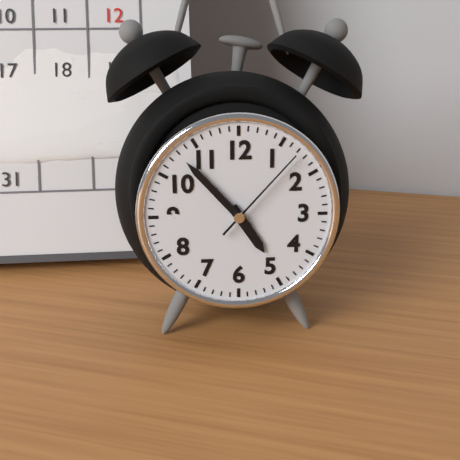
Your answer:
**4:53:07**
